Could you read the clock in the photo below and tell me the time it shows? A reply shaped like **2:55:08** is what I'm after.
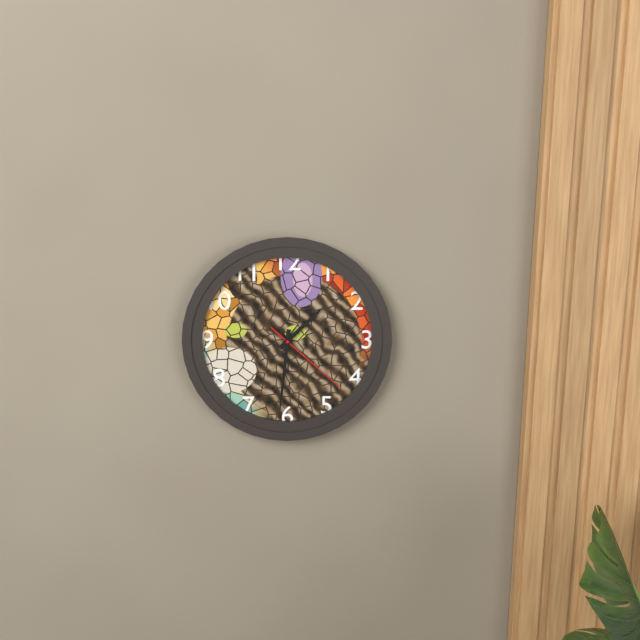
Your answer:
**1:31:22**
